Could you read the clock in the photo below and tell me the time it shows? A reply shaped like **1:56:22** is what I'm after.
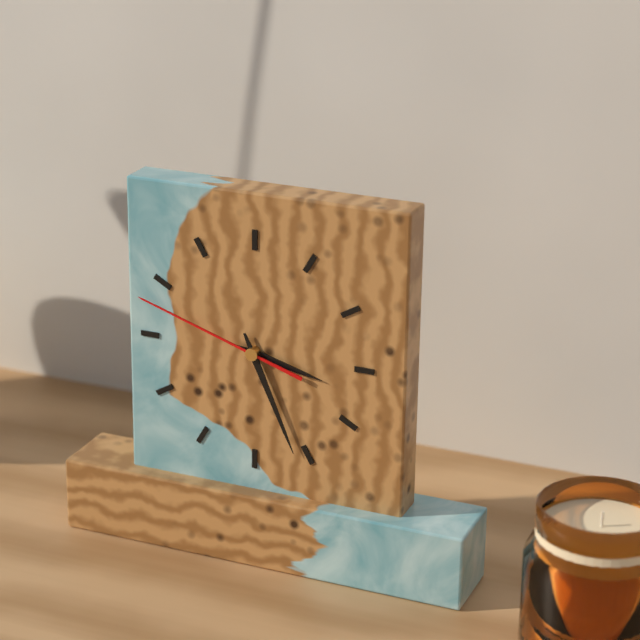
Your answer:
**3:26:48**
